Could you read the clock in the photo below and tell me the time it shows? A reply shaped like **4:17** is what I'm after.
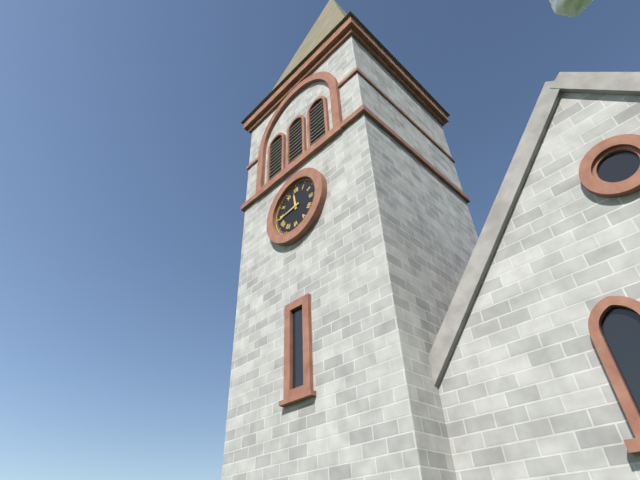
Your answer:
**11:44**
